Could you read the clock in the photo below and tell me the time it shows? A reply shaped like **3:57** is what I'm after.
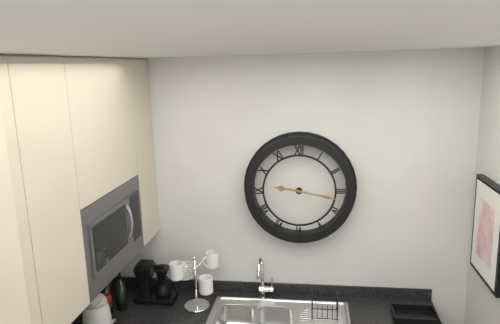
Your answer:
**9:17**
